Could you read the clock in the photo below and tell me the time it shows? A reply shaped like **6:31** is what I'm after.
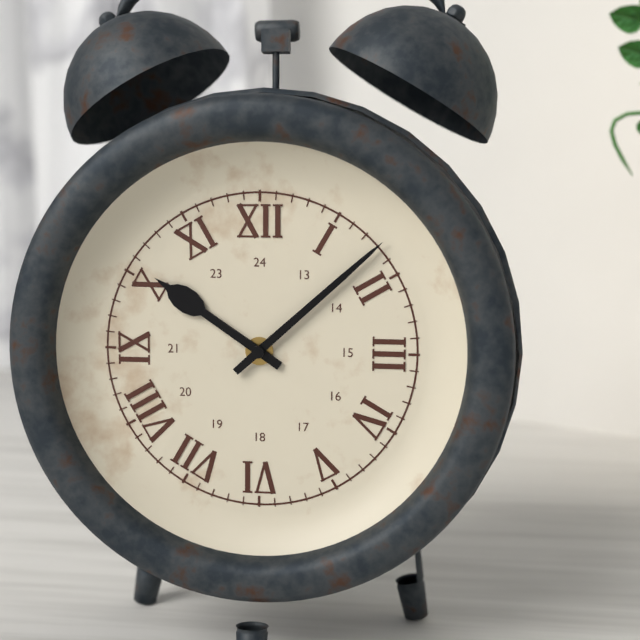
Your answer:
**10:08**
